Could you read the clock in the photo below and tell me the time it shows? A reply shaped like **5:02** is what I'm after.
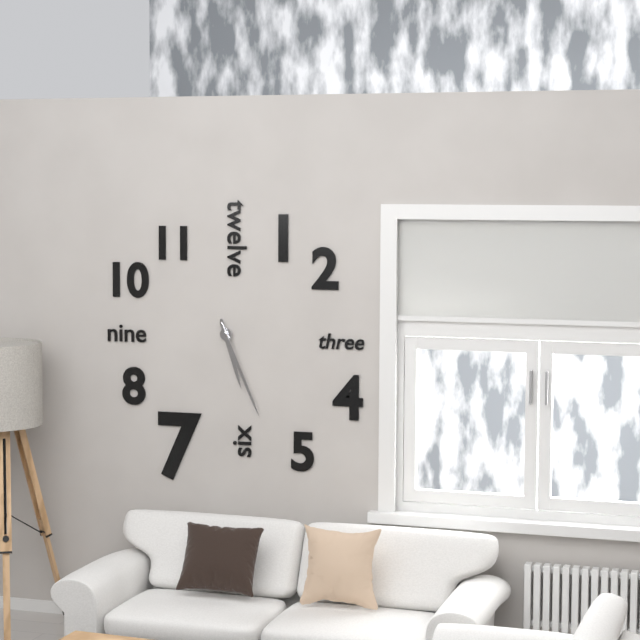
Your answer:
**5:26**
